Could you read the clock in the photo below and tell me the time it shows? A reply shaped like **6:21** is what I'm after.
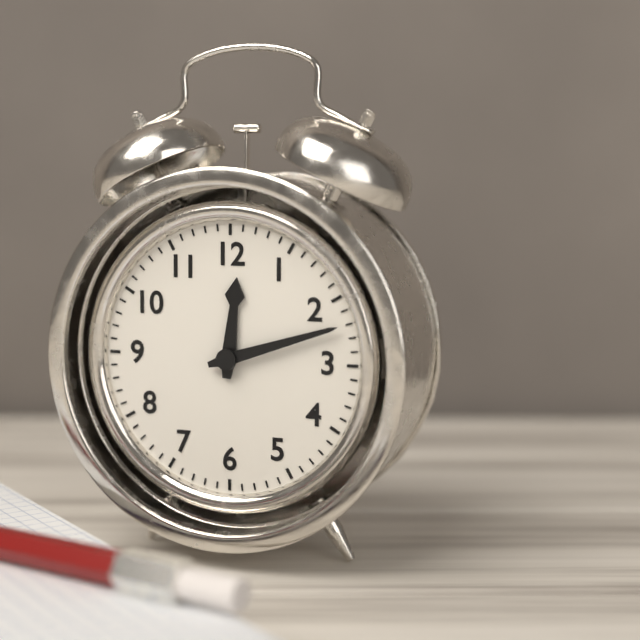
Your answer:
**12:12**
